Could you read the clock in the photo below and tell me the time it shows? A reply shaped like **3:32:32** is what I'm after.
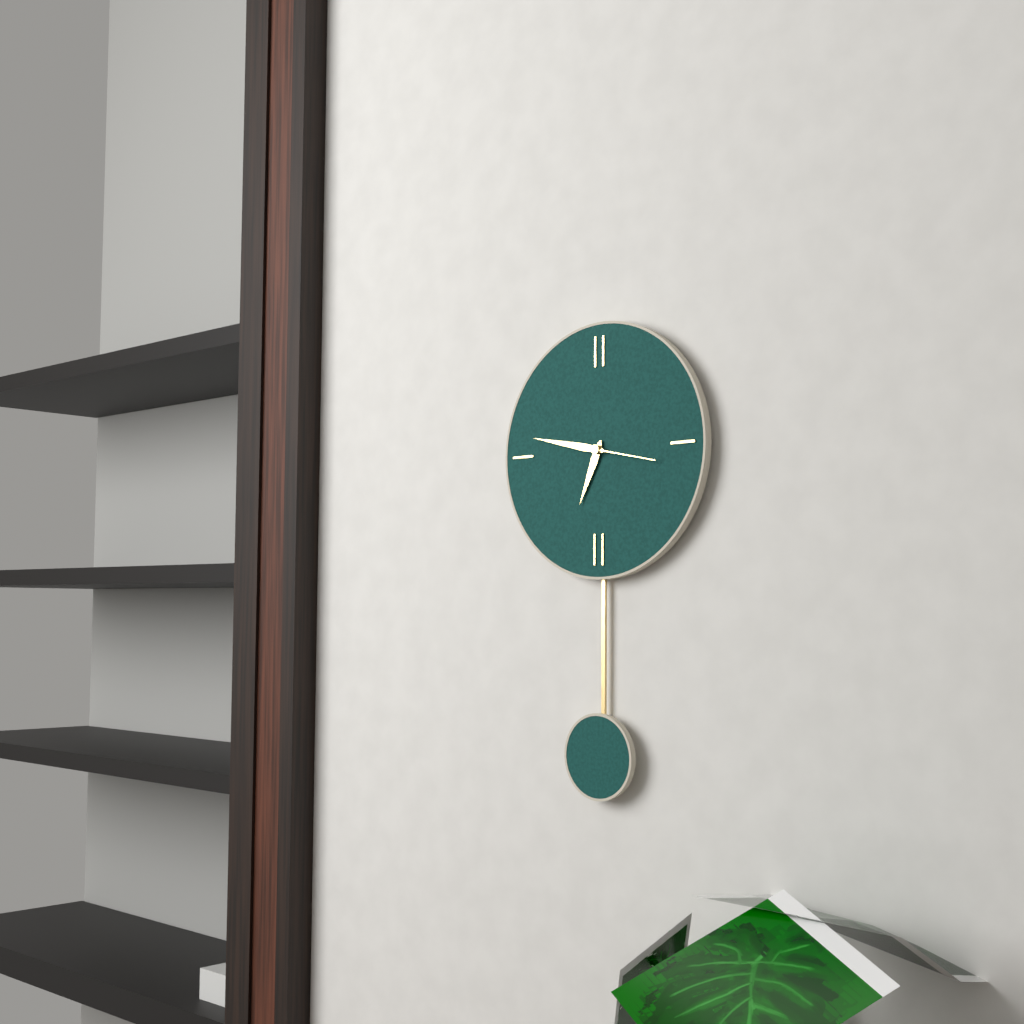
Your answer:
**6:47:17**
